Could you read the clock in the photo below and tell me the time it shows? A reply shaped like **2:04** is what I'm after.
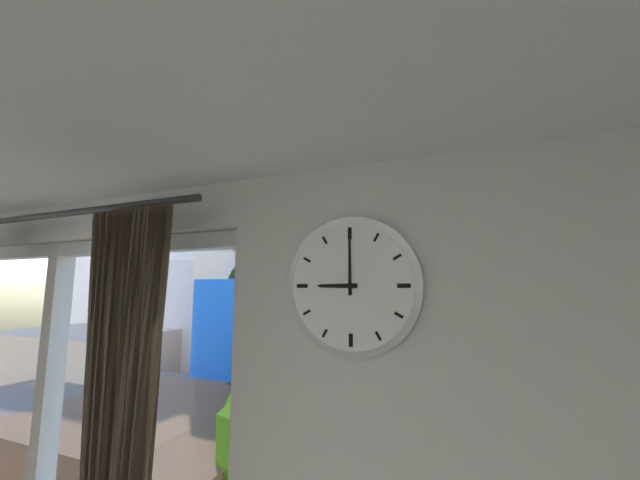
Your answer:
**9:00**
